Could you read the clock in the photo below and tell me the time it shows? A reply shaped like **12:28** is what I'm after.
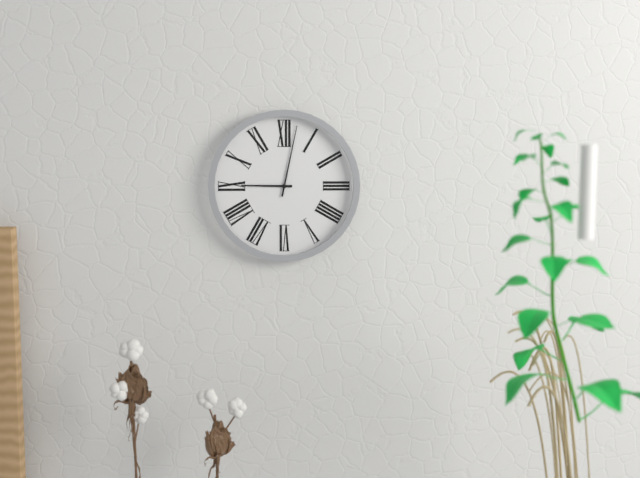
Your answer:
**9:02**
